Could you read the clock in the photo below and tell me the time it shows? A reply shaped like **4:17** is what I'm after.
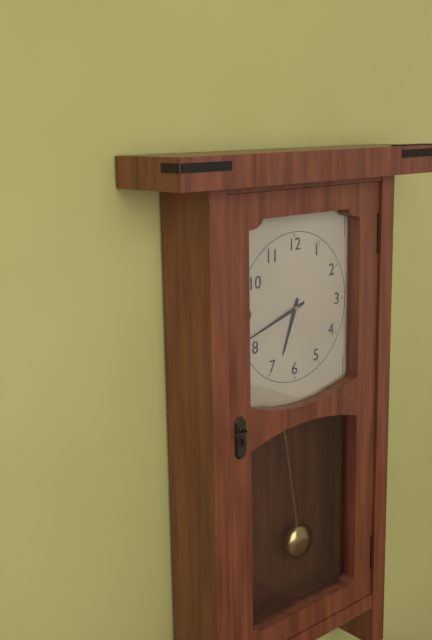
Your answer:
**6:42**
